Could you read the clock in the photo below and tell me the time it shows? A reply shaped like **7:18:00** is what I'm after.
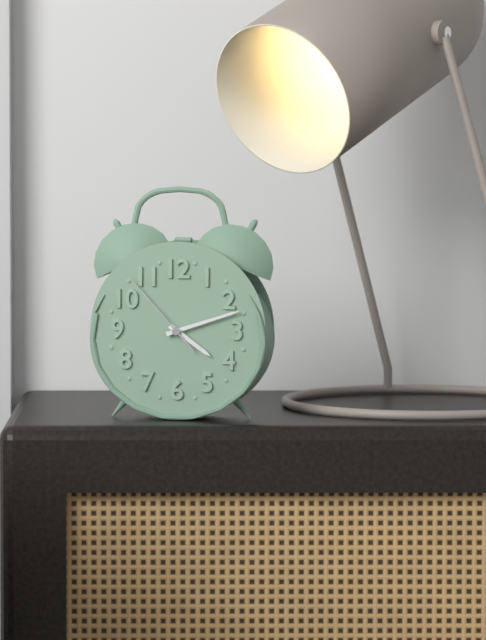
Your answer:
**4:12:53**
